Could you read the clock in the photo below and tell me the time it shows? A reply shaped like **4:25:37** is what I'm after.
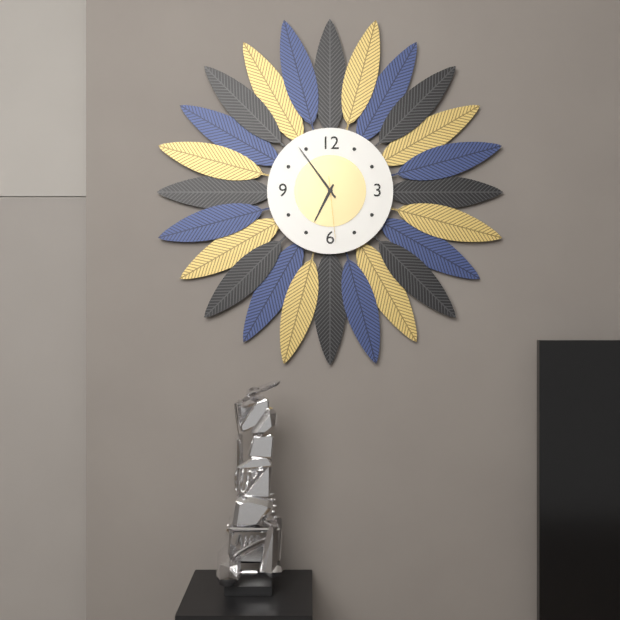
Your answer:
**6:54:29**
